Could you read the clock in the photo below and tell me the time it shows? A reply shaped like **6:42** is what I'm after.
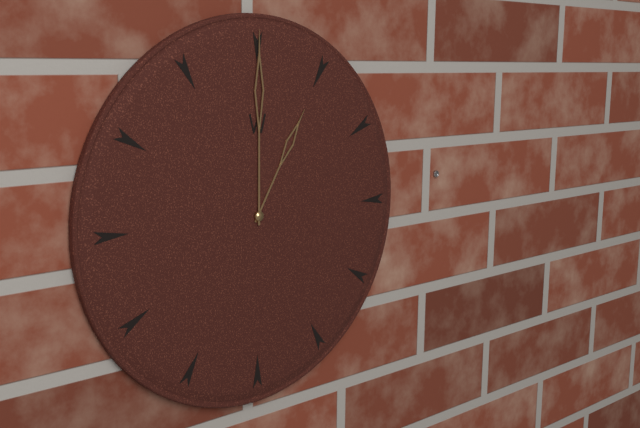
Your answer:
**1:00**
